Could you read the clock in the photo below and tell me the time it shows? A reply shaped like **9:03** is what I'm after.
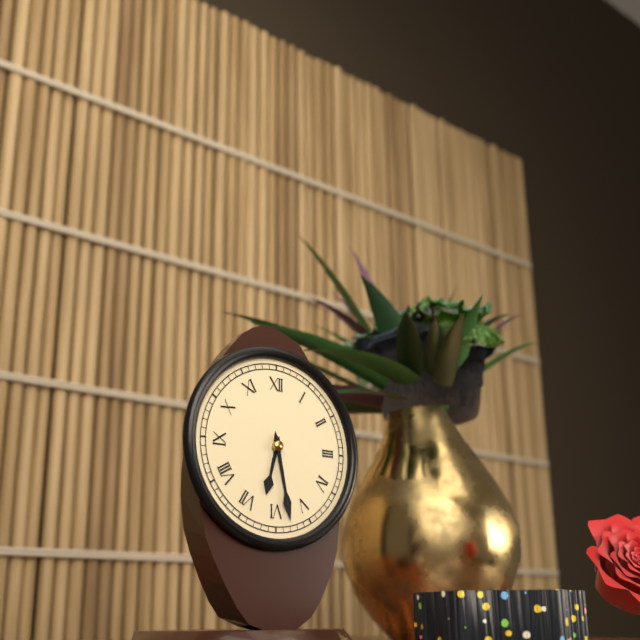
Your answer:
**6:28**
